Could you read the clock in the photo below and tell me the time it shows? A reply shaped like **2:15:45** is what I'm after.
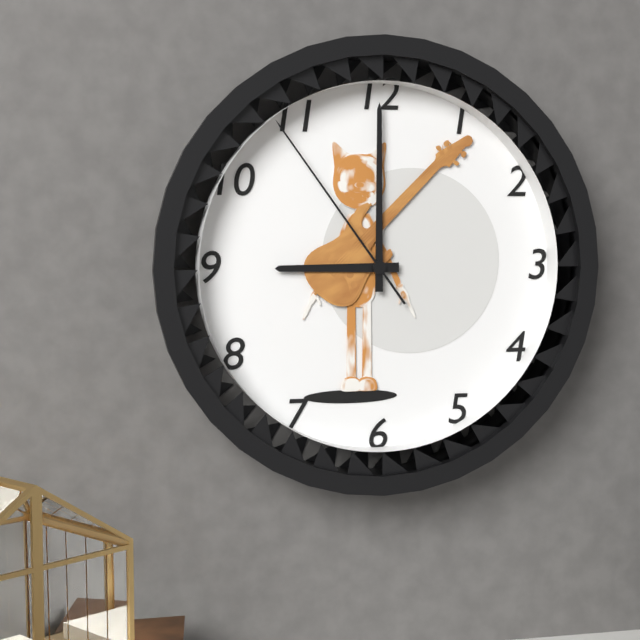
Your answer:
**9:00:54**
